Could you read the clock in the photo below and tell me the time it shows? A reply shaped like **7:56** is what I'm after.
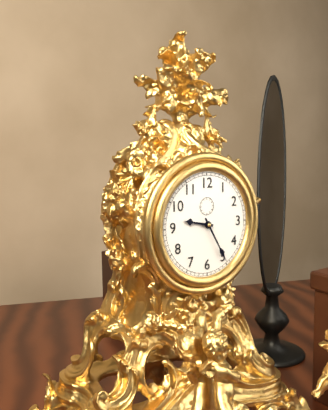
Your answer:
**9:25**
